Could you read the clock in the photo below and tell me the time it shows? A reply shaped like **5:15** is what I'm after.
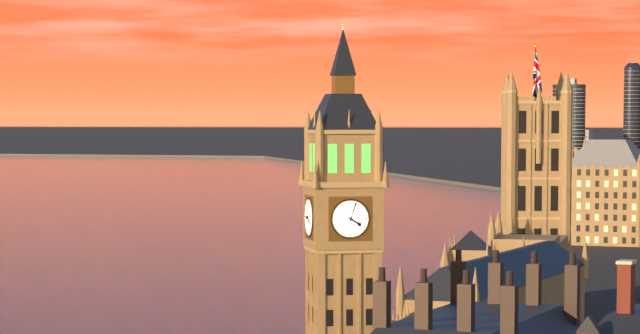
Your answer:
**4:03**
